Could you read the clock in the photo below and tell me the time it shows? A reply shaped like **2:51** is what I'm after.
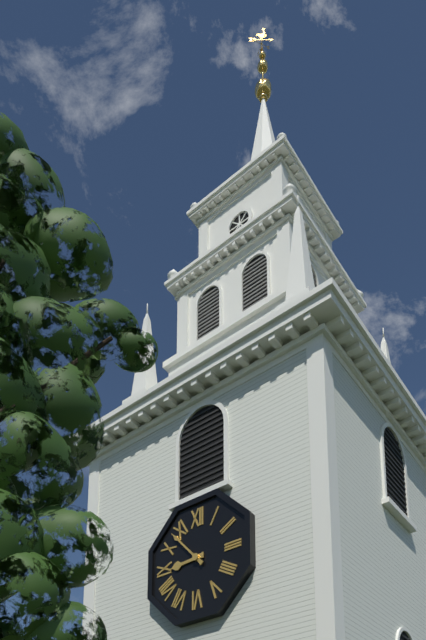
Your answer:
**8:53**
